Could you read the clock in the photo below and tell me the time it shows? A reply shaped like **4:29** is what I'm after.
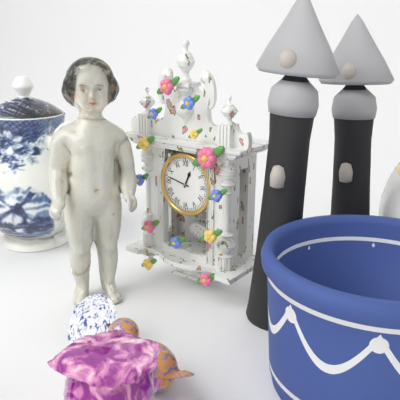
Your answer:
**12:47**
